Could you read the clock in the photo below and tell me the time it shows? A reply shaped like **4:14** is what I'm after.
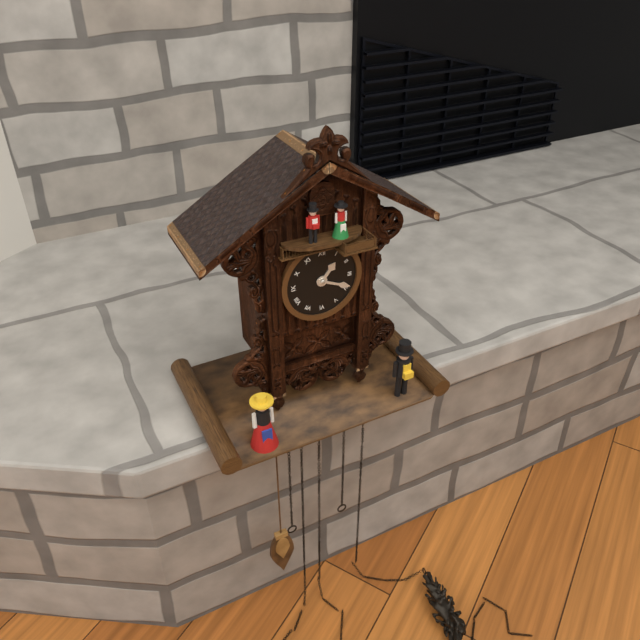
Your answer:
**1:19**
